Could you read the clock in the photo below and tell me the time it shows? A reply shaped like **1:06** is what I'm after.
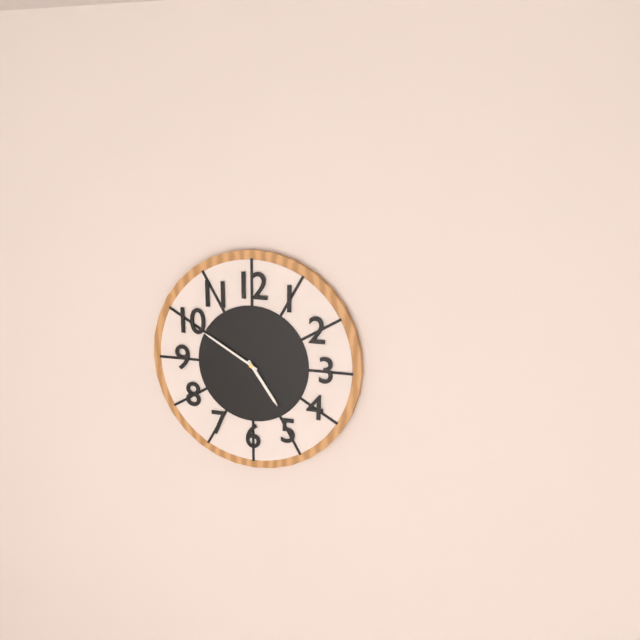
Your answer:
**4:50**
